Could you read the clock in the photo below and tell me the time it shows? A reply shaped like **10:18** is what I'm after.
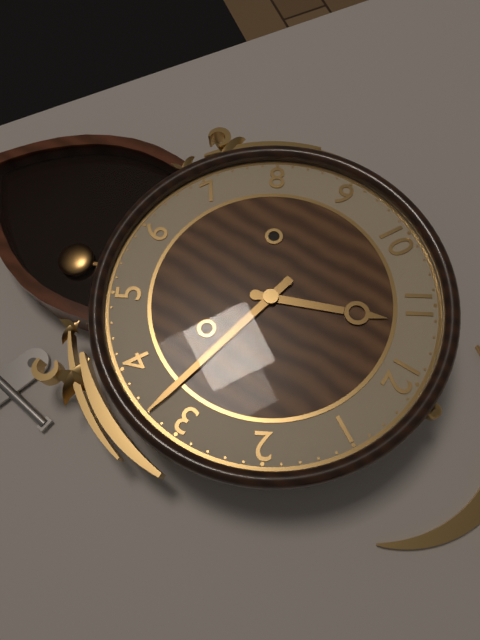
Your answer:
**11:17**
